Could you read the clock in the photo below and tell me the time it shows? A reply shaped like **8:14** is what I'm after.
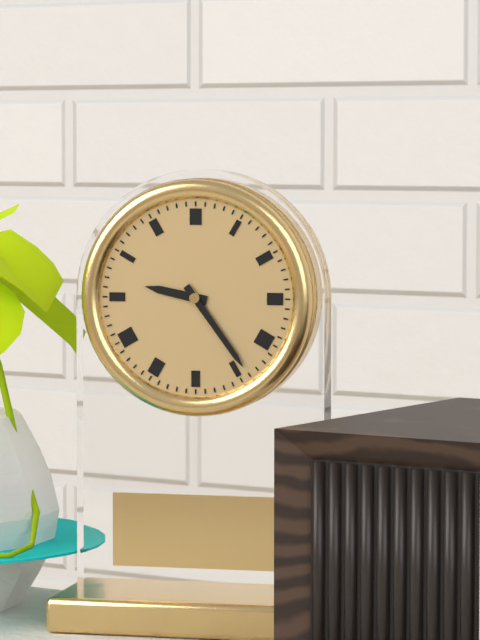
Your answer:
**9:24**
